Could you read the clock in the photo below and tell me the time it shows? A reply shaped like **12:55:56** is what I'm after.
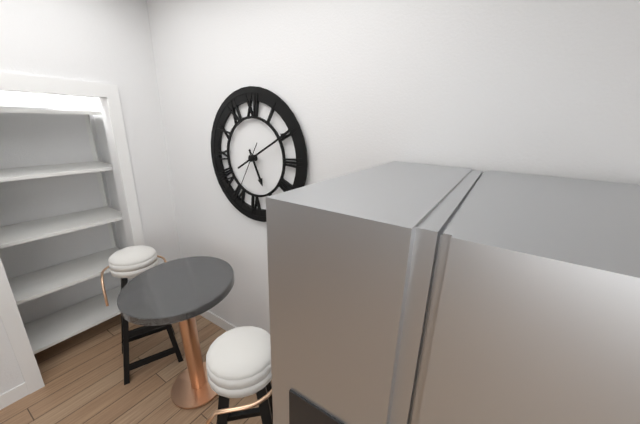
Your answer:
**5:10:35**
